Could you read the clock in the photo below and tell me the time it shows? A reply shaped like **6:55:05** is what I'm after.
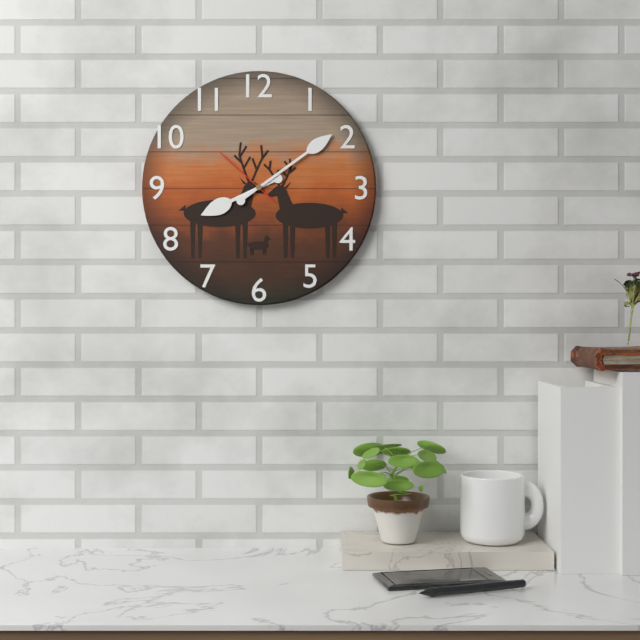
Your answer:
**8:09:52**
